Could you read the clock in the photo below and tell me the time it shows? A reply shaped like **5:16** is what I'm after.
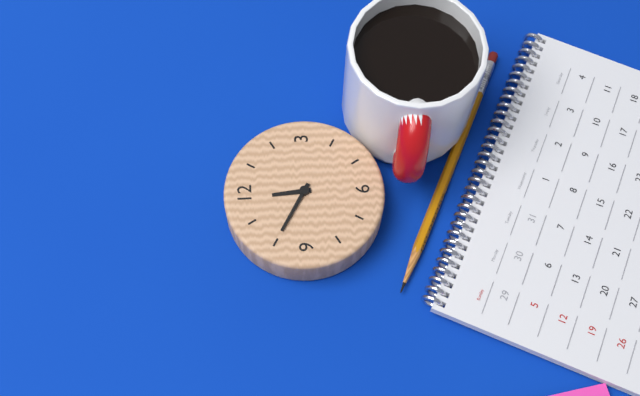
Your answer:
**11:50**
